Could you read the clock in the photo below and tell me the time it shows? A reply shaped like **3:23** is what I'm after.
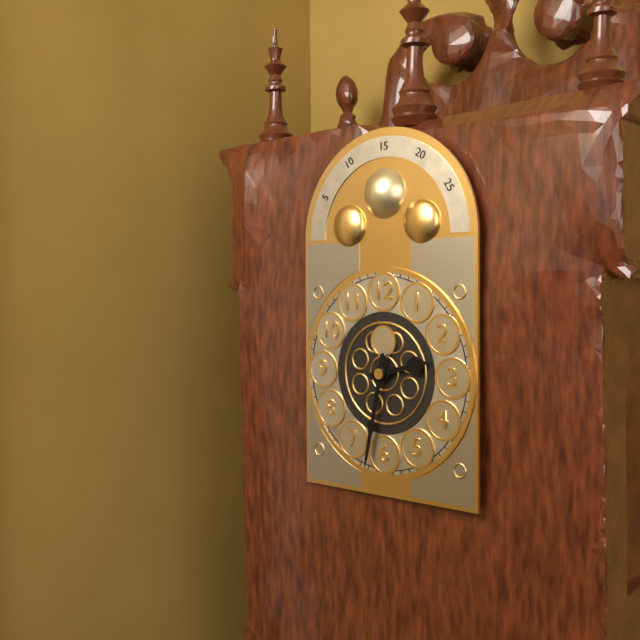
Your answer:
**2:32**
